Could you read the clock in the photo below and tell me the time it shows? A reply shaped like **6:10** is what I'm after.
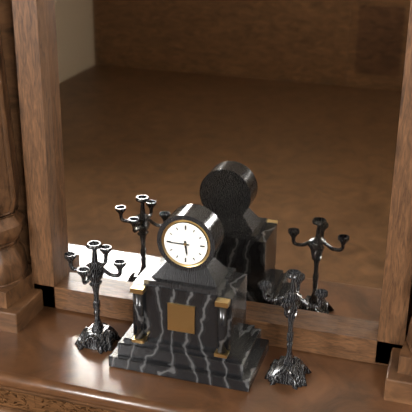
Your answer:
**5:45**
